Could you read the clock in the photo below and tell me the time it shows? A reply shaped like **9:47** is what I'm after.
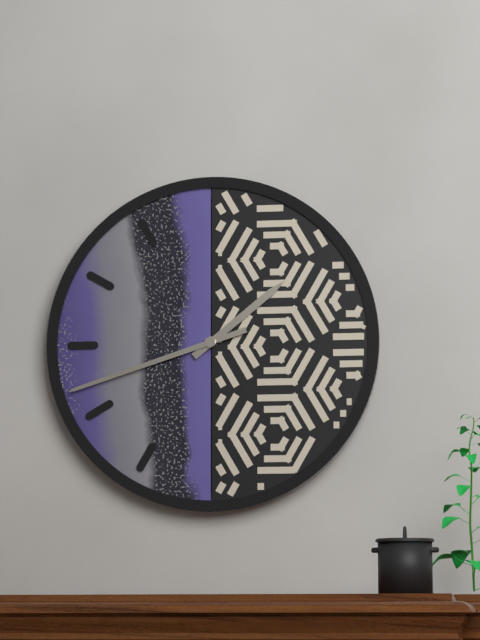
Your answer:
**1:42**
